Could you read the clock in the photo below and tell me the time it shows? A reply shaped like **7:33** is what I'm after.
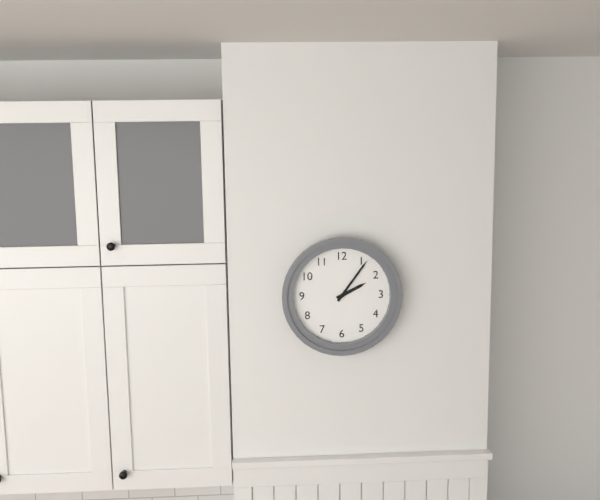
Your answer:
**2:06**
